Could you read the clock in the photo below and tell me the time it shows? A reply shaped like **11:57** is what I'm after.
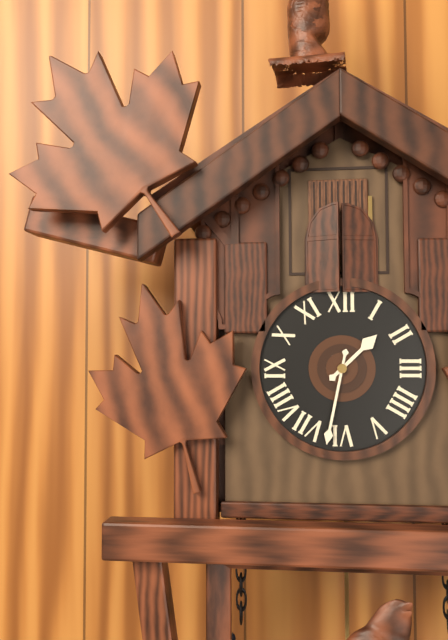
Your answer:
**1:32**
